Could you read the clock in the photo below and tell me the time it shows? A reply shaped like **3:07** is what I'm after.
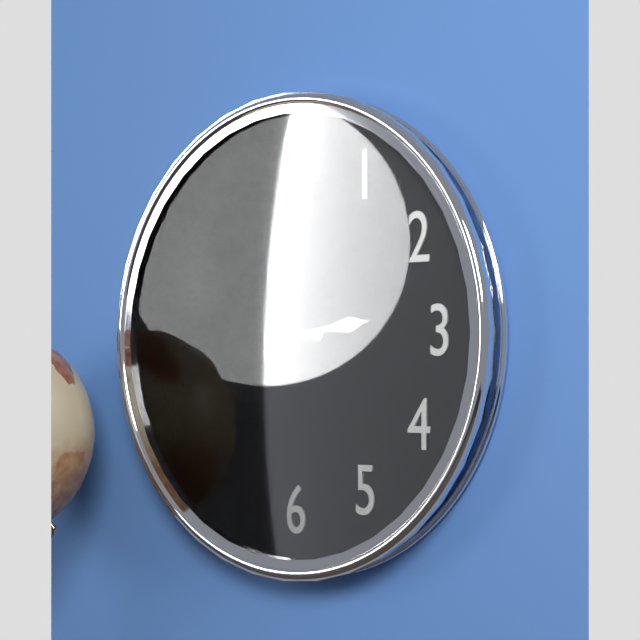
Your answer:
**2:45**
